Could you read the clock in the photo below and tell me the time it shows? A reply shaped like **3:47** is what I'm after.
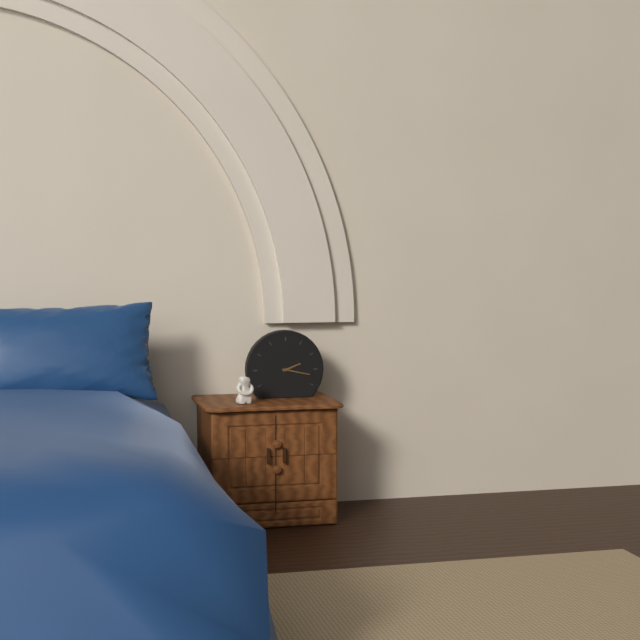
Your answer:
**2:17**
